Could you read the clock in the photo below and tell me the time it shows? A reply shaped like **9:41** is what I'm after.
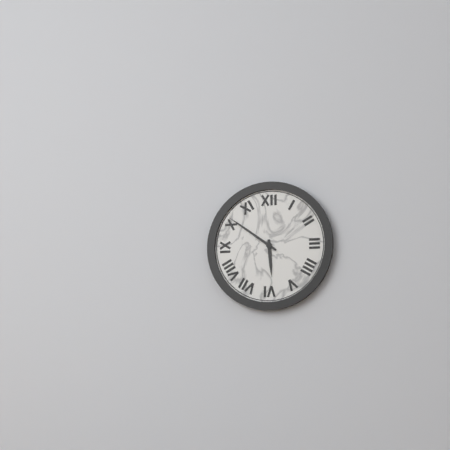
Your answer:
**5:51**
